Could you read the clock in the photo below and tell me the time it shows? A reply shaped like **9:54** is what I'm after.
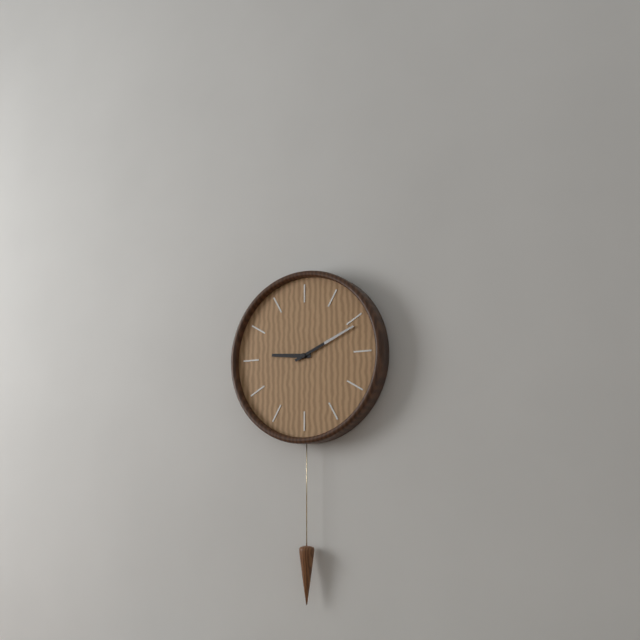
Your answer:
**9:11**
